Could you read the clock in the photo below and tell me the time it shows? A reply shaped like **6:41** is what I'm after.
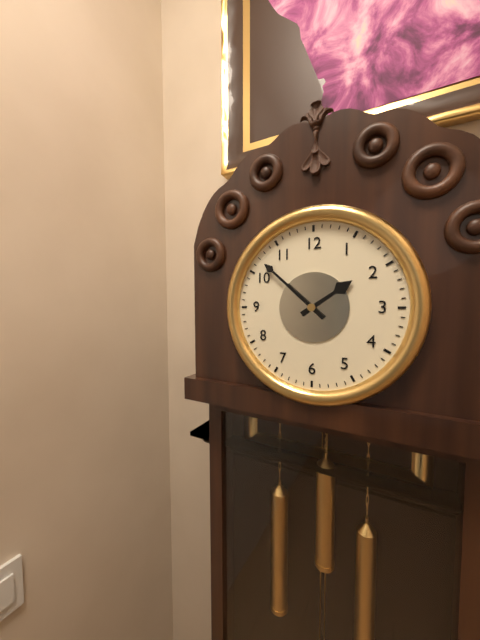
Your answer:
**1:52**
